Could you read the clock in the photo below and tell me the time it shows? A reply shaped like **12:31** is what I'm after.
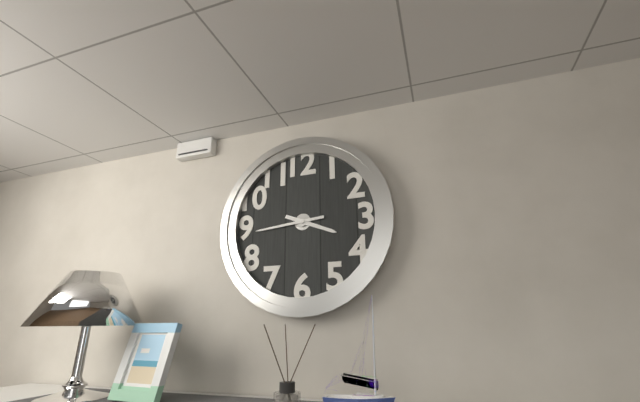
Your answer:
**3:44**
